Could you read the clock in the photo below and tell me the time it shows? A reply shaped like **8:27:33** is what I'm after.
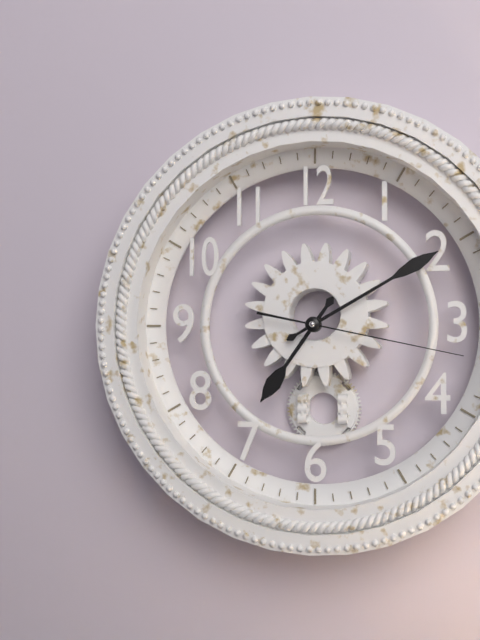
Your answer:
**7:10:17**
